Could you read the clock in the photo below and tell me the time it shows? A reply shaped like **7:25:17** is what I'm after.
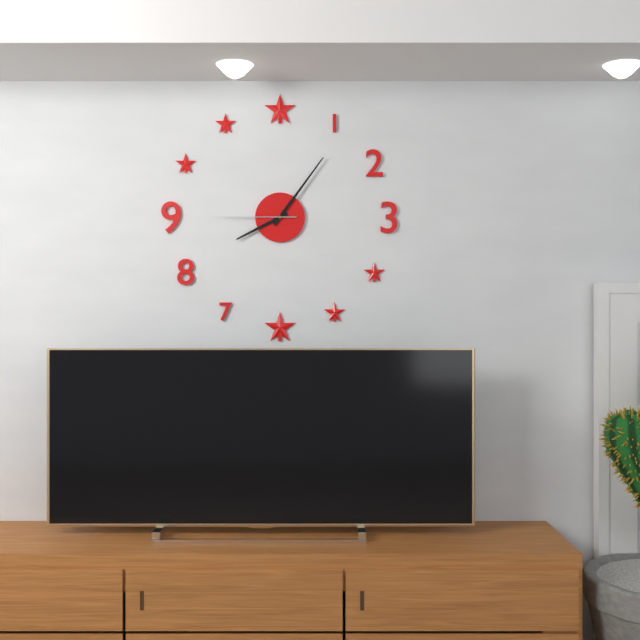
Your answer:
**8:06:45**
